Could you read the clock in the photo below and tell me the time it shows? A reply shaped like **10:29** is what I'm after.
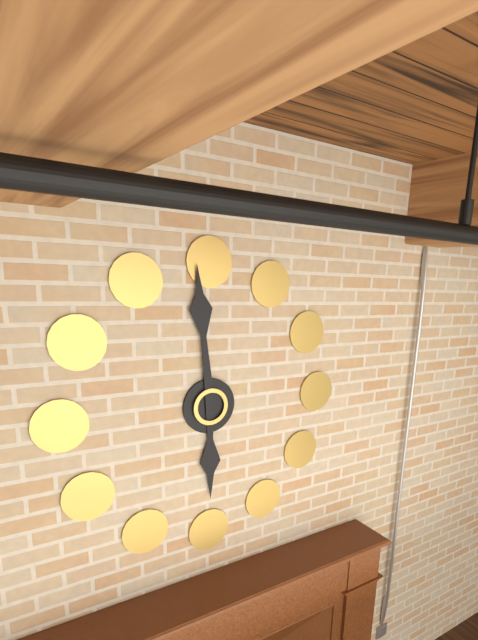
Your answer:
**5:59**
